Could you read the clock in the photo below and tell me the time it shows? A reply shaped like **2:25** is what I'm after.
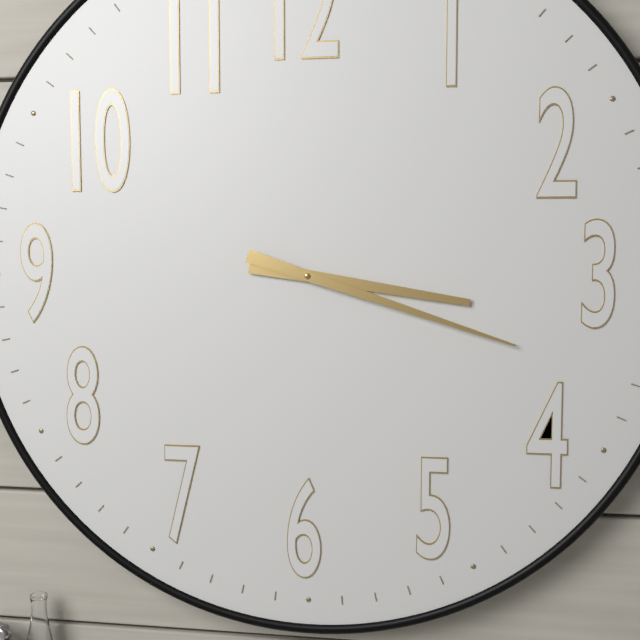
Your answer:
**3:18**
